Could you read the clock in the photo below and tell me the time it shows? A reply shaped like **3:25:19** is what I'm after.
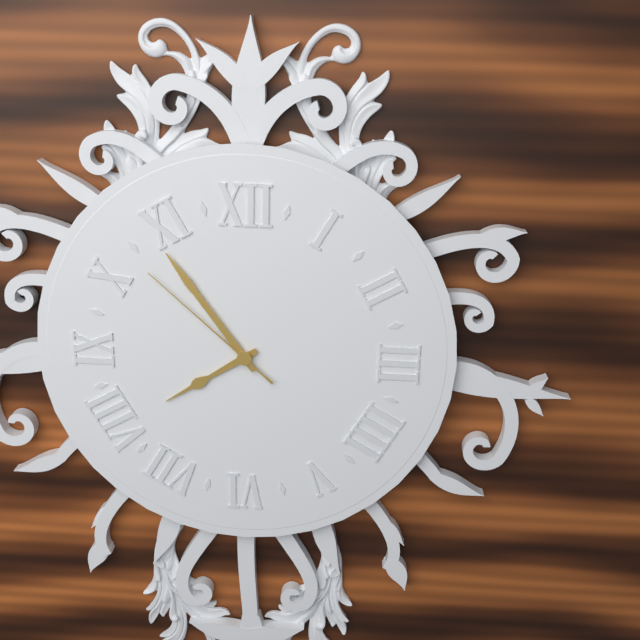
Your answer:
**7:54:52**
